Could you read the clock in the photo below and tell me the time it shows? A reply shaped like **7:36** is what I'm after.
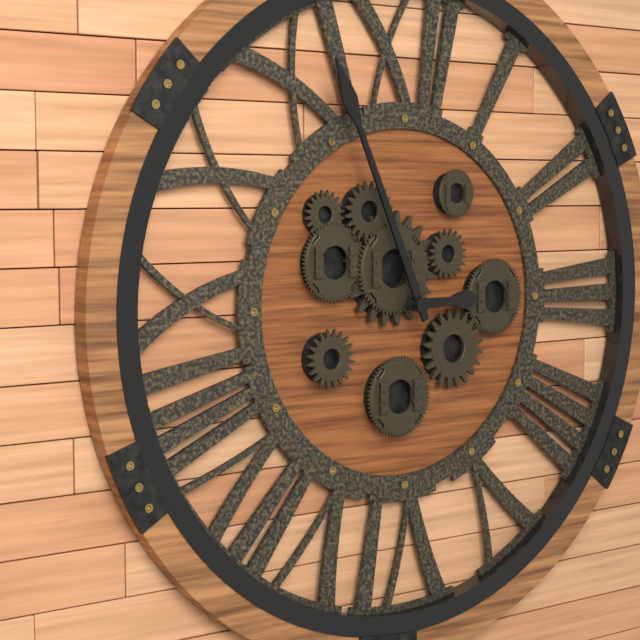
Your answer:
**2:56**
